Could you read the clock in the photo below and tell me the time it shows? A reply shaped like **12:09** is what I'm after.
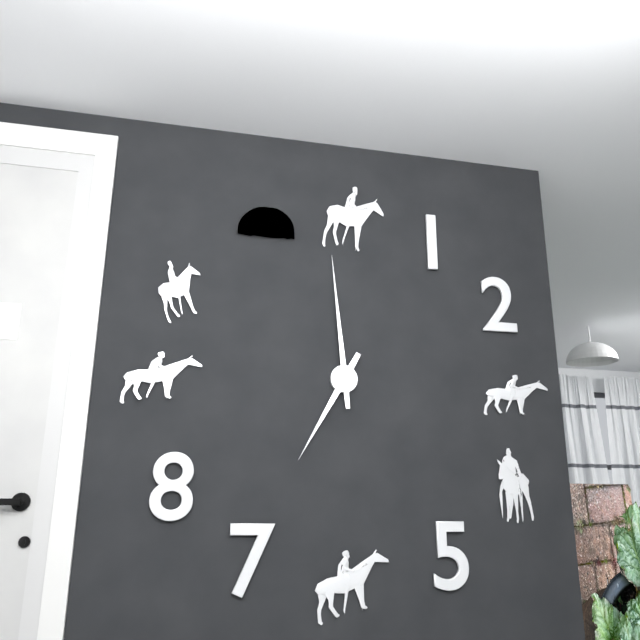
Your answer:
**6:59**
